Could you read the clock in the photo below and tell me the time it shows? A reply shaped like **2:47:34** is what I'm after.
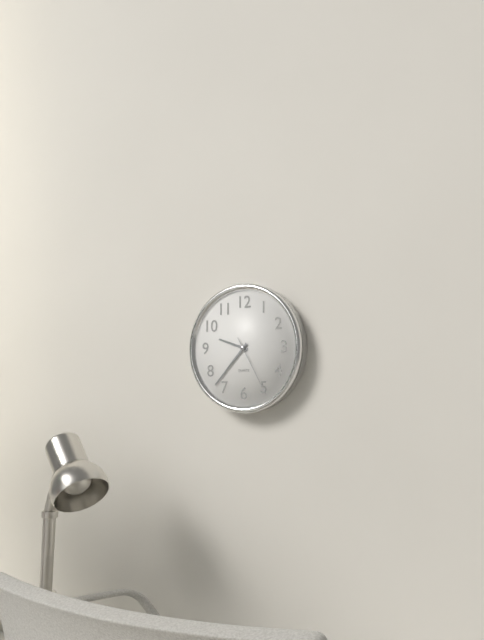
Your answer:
**9:37:25**
